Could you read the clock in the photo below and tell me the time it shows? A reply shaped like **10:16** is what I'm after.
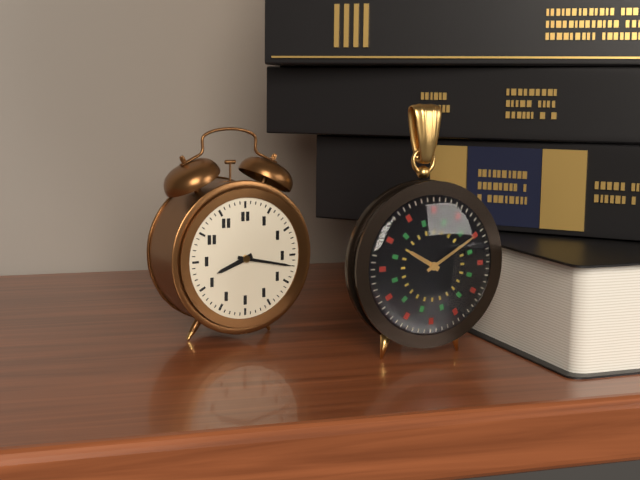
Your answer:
**8:17**
